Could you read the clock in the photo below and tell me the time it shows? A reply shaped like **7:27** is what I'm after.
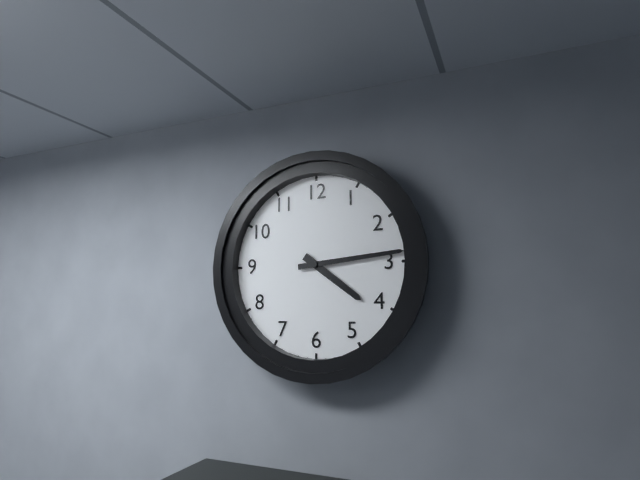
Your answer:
**4:14**
